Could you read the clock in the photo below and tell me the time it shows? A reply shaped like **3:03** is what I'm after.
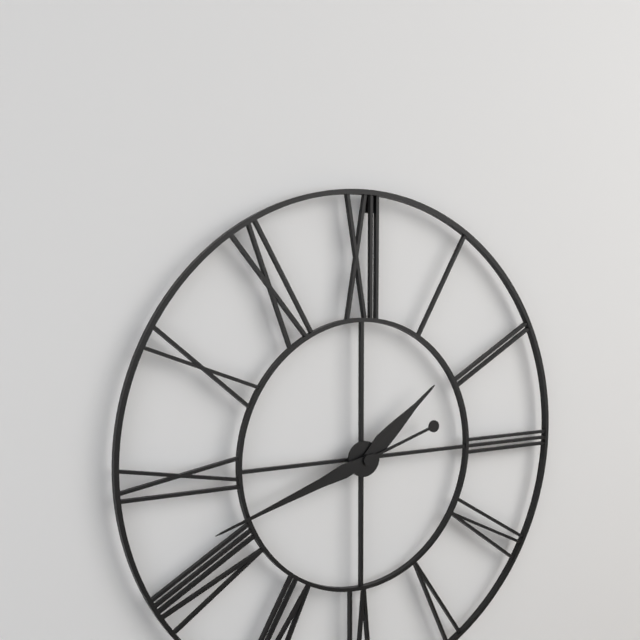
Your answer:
**1:42**
